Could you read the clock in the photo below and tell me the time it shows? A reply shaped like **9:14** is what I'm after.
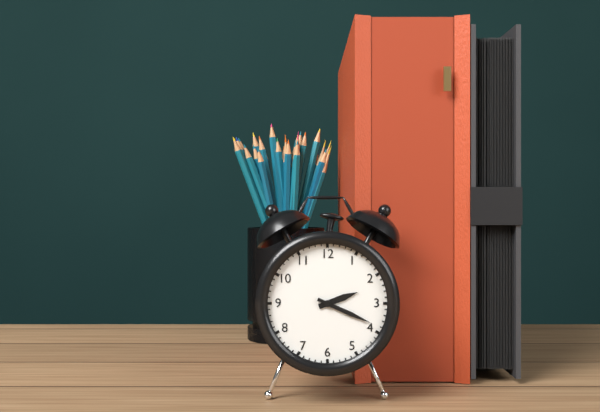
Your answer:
**2:19**
